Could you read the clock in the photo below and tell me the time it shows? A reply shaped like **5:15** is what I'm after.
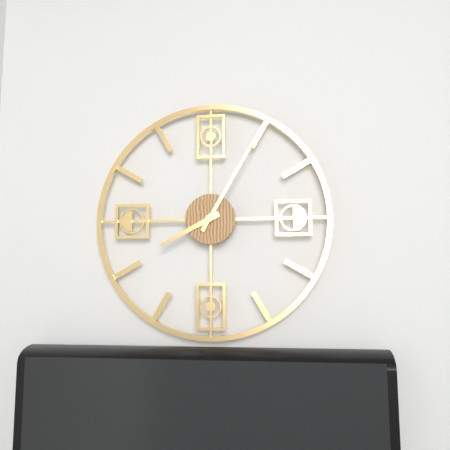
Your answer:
**8:05**
